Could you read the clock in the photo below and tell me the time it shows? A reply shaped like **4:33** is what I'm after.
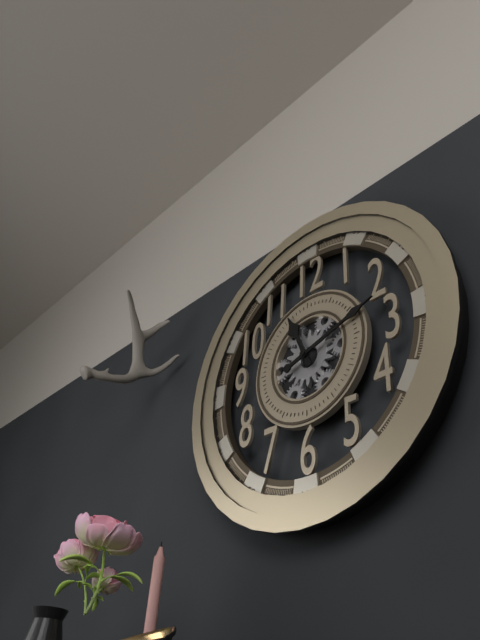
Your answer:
**11:12**
